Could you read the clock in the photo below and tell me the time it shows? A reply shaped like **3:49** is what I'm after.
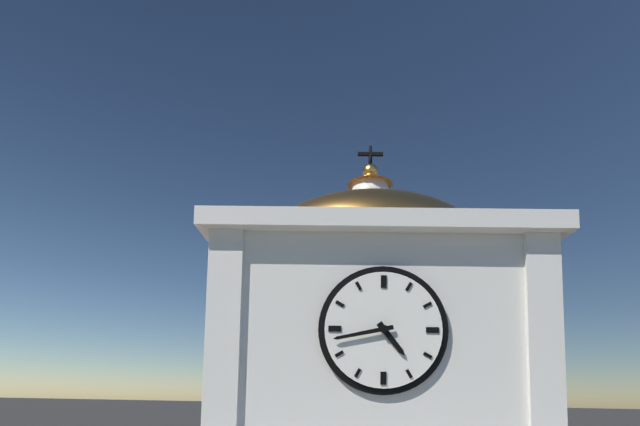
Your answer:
**4:43**
